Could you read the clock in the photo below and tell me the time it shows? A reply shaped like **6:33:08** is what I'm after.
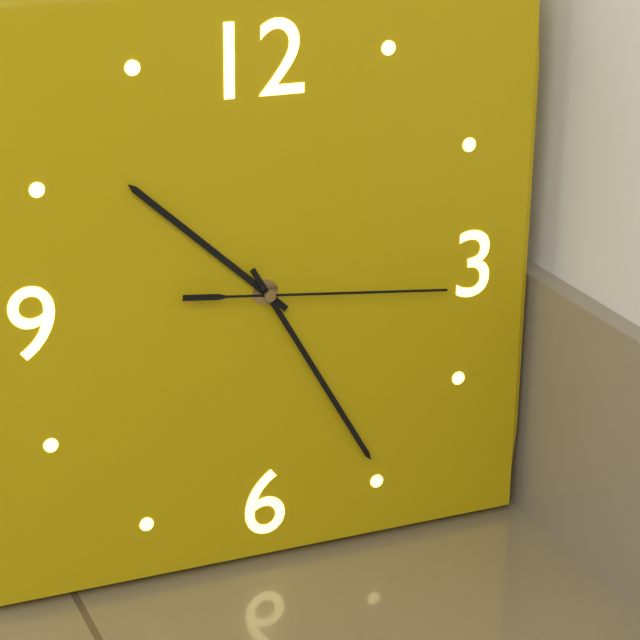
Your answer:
**10:25:16**
